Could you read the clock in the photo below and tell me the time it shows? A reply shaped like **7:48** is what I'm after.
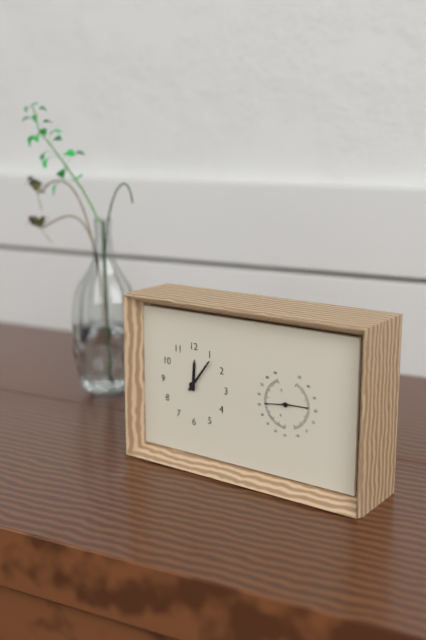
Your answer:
**12:06**
